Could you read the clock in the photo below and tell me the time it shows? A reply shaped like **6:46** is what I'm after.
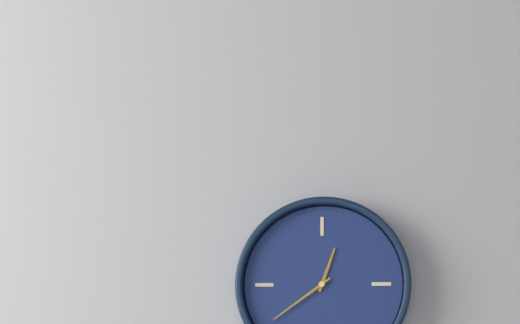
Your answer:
**12:39**
